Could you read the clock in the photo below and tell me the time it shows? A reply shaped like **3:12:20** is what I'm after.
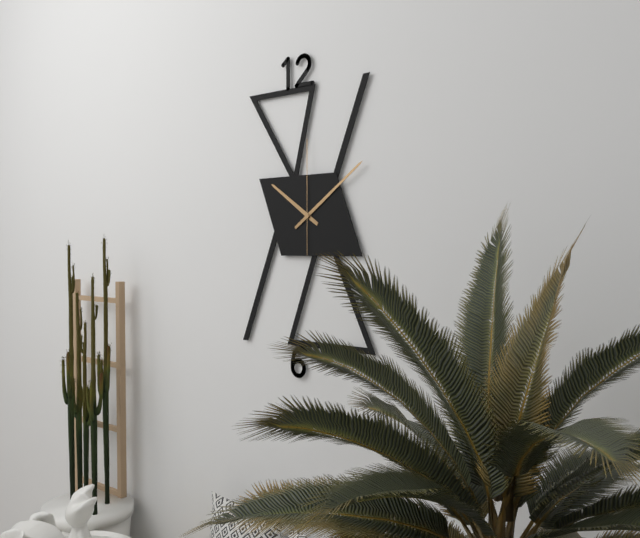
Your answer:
**10:09:00**
